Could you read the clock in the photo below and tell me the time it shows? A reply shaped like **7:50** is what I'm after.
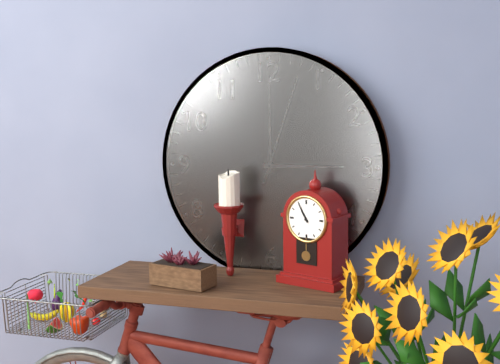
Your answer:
**10:55**
